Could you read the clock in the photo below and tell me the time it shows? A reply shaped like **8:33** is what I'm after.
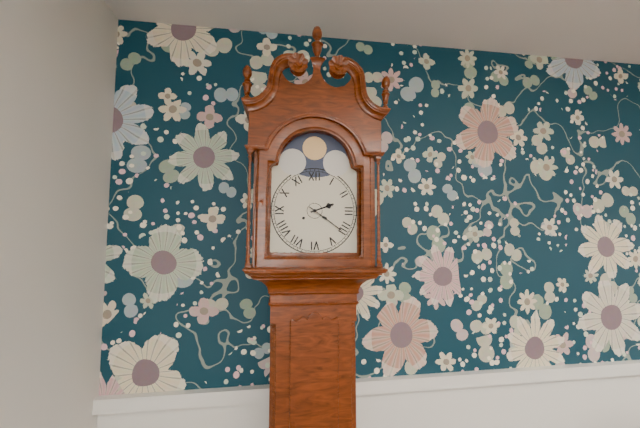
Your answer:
**2:21**
